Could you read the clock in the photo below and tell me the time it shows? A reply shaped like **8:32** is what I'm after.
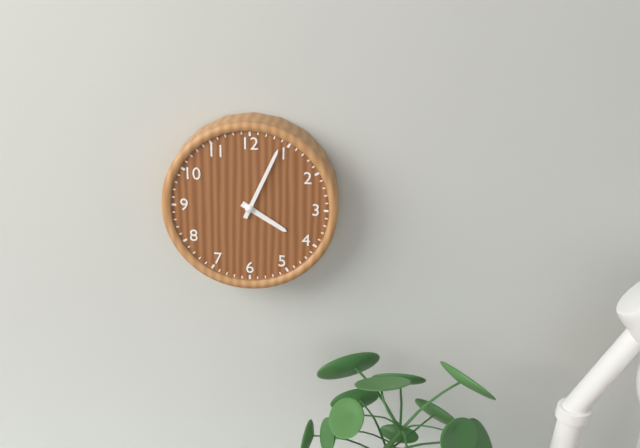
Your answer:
**4:04**
